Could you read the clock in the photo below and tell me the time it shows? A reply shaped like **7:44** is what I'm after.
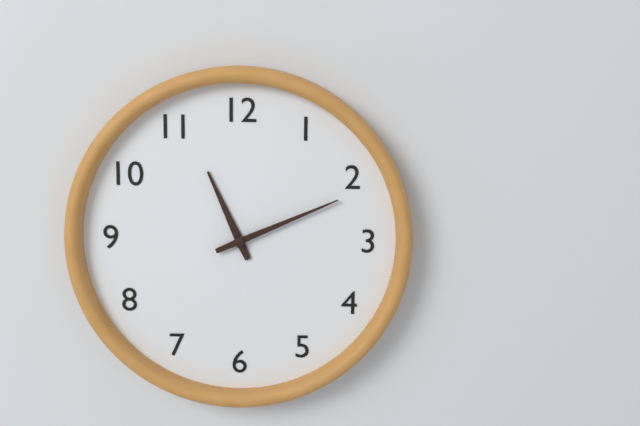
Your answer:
**11:11**
